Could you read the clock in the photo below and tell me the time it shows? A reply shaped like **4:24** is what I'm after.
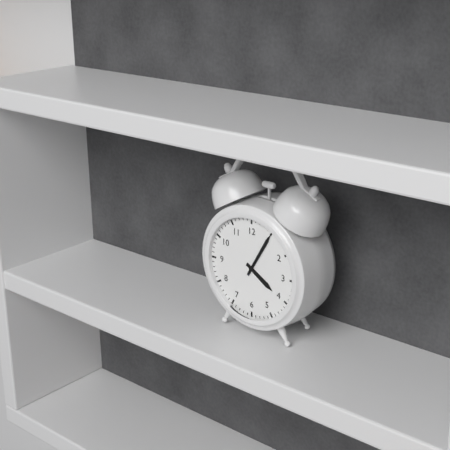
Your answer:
**4:05**
